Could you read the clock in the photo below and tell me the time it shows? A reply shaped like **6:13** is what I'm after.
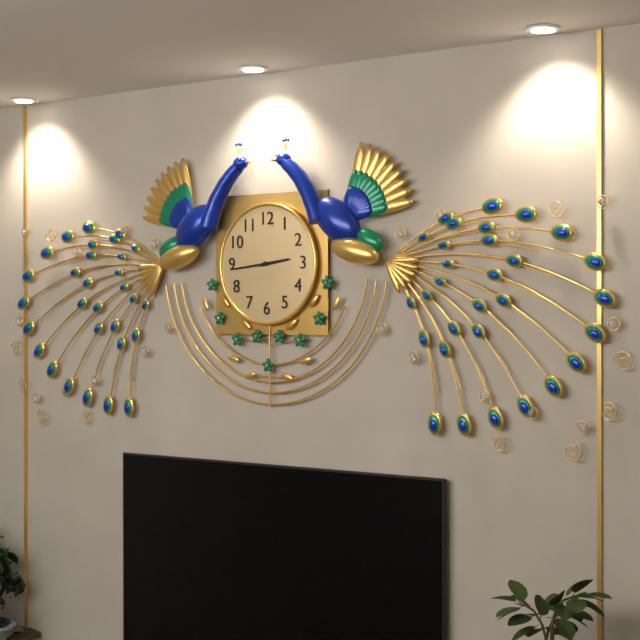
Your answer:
**2:44**
